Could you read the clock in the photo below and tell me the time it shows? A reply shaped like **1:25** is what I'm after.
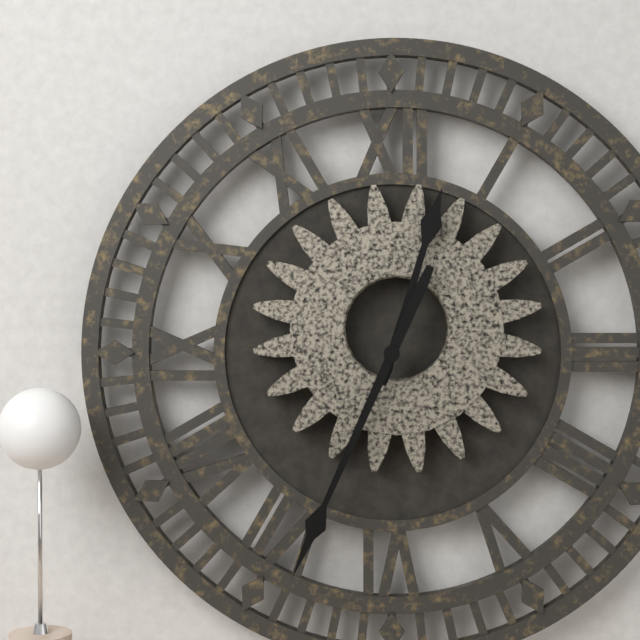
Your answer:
**12:34**
